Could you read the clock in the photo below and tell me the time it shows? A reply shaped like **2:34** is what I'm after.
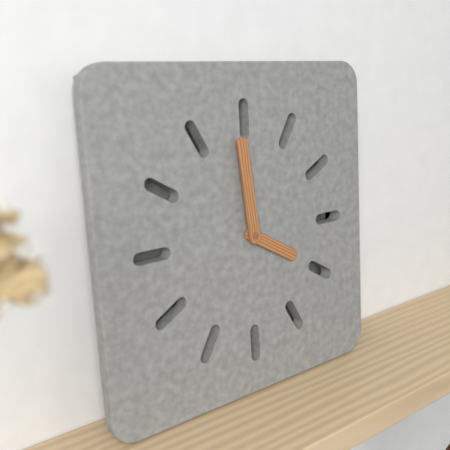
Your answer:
**3:59**
